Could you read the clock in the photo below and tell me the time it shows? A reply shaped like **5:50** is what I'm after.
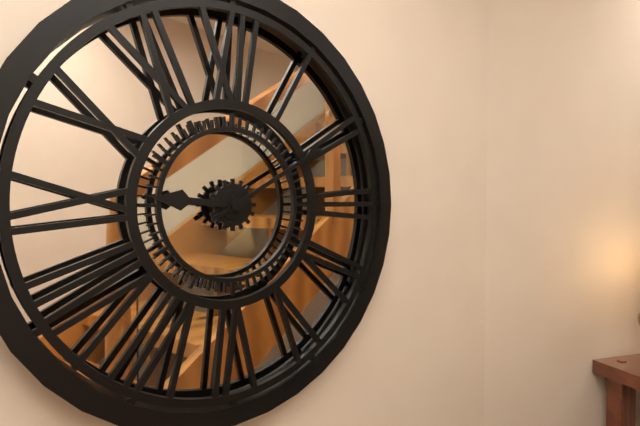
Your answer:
**9:10**
